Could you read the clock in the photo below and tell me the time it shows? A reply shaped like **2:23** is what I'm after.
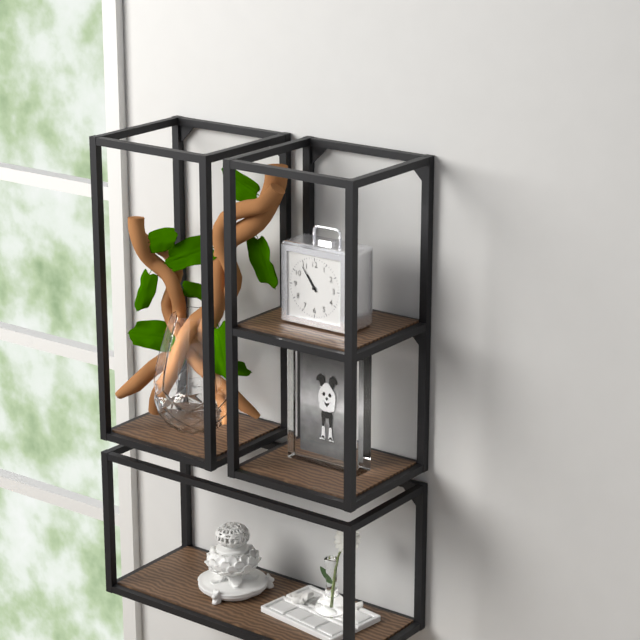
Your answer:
**10:54**
